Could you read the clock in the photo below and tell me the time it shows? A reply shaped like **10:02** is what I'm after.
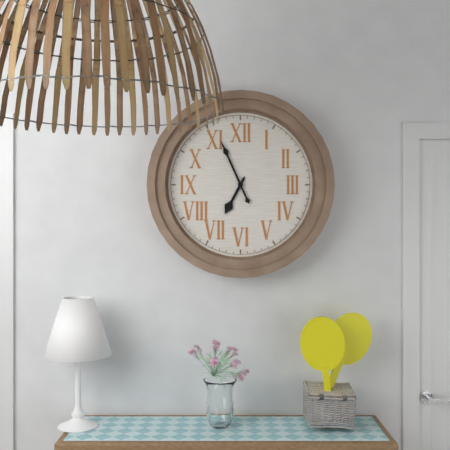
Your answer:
**6:56**
